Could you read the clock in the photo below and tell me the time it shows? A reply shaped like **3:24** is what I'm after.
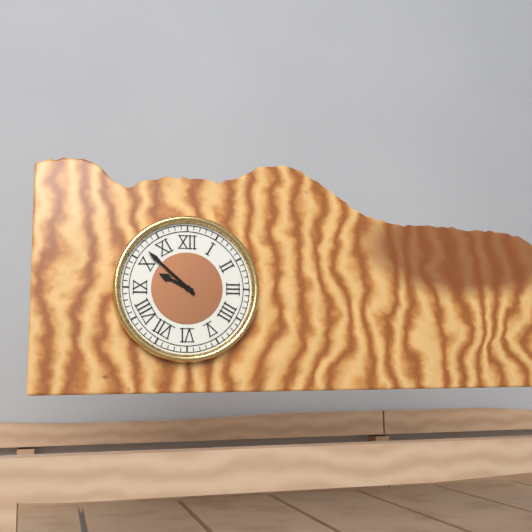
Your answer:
**9:52**
